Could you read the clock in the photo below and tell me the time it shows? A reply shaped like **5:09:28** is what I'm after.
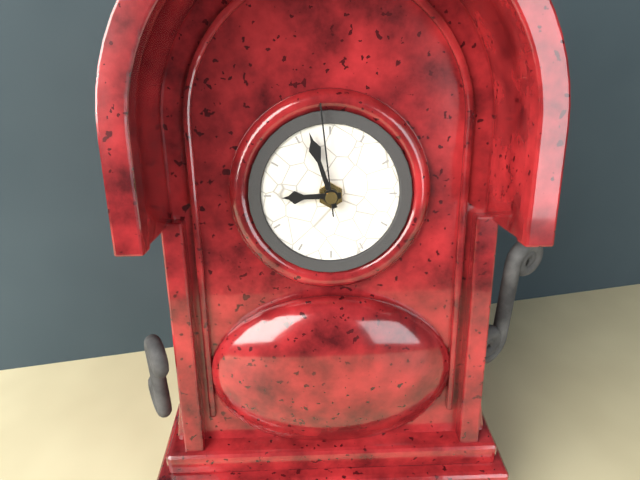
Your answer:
**8:57:59**
